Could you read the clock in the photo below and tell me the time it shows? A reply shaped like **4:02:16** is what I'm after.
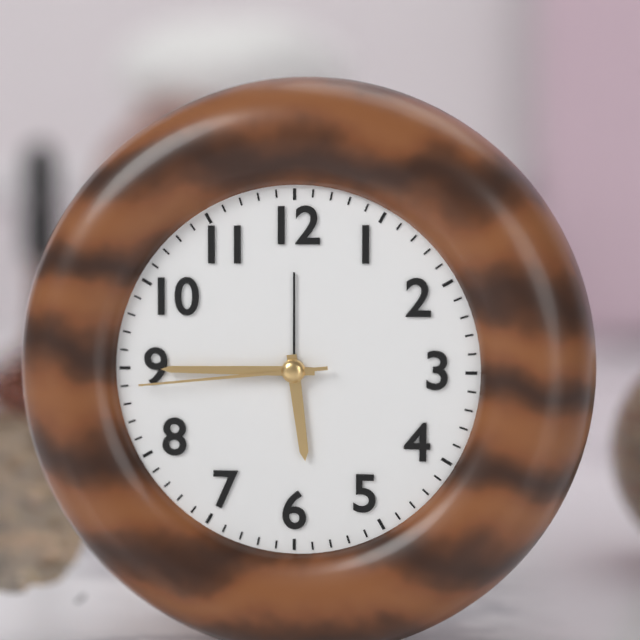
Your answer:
**5:45:44**
